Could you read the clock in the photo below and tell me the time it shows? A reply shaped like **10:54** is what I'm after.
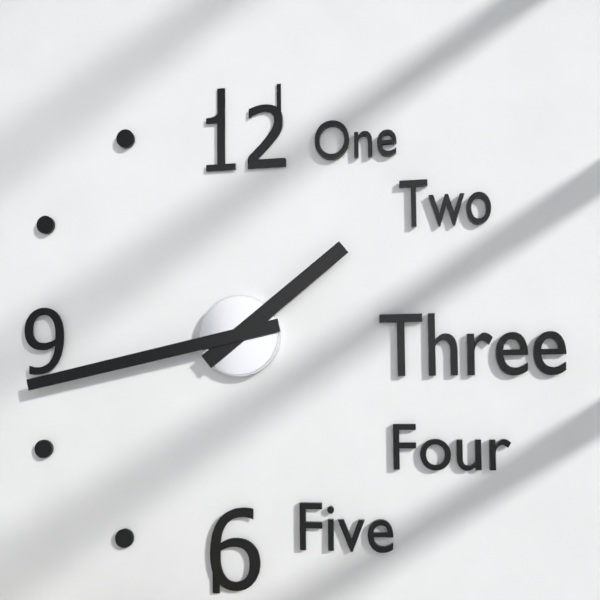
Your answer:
**1:43**
